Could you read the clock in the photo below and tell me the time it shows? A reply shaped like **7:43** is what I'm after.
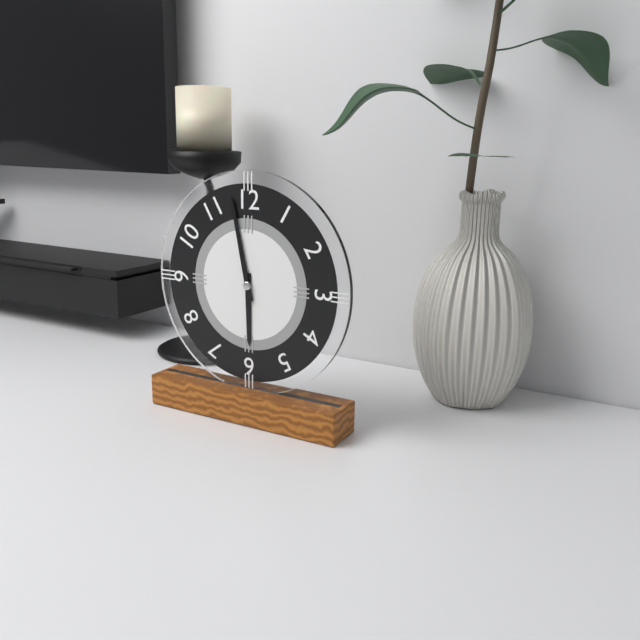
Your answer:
**5:58**
